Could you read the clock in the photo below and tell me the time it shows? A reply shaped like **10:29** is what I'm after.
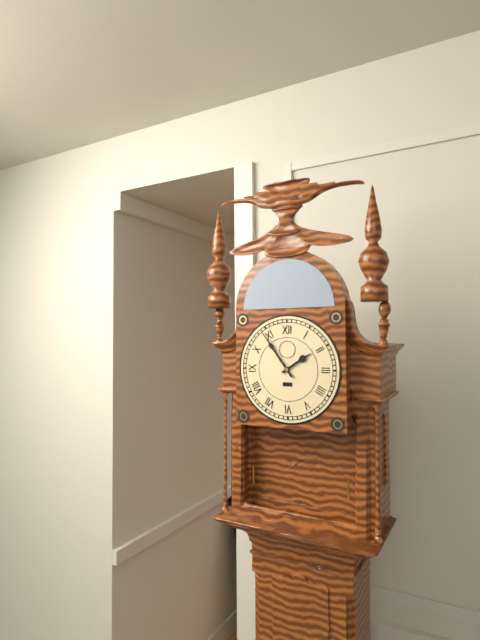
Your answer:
**1:54**
